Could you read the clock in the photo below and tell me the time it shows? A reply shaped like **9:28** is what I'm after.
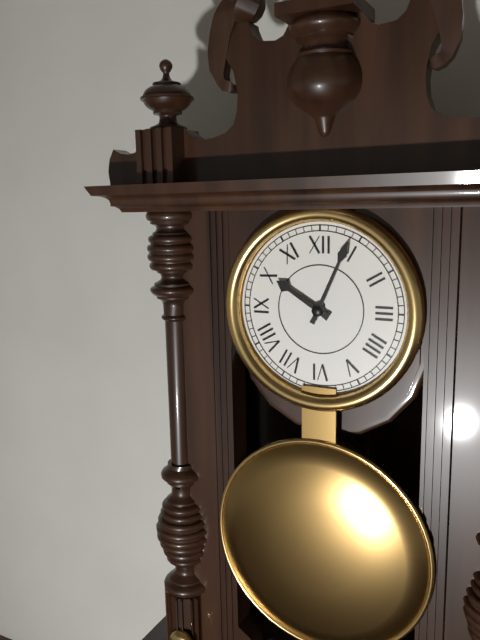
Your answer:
**10:04**
